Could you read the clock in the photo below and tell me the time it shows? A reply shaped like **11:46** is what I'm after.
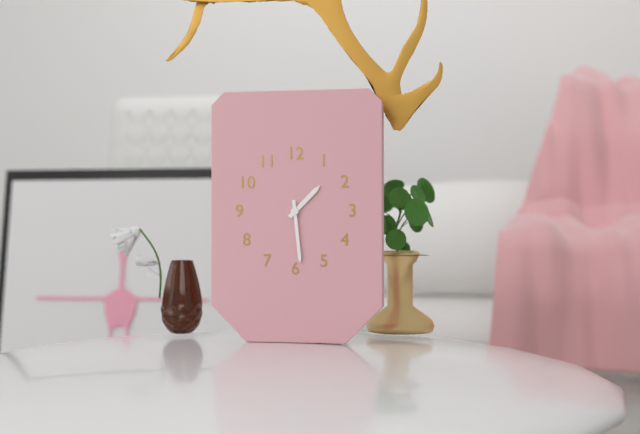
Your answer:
**1:29**
